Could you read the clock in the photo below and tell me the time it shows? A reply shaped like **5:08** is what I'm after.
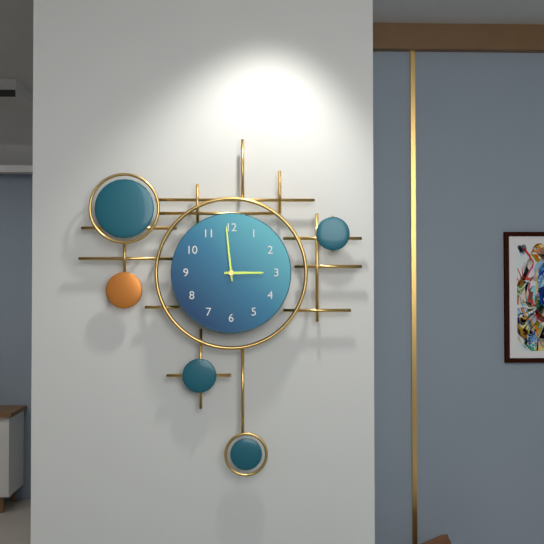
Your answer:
**2:59**
